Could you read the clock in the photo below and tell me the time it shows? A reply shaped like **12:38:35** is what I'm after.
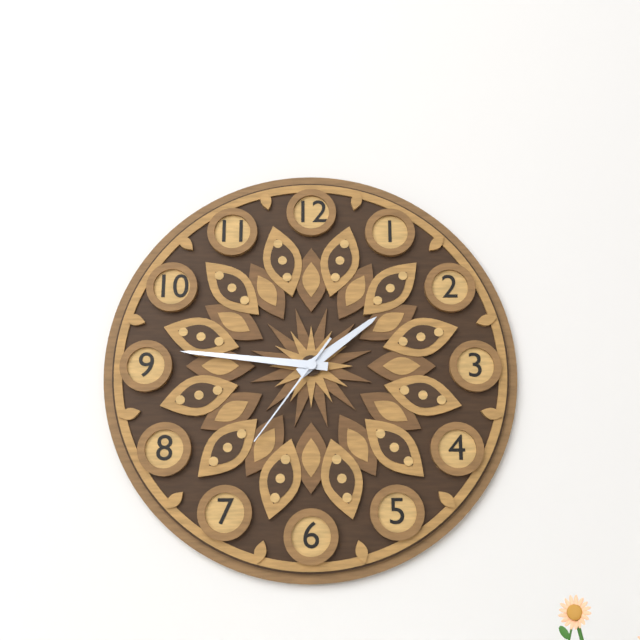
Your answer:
**1:46:36**
